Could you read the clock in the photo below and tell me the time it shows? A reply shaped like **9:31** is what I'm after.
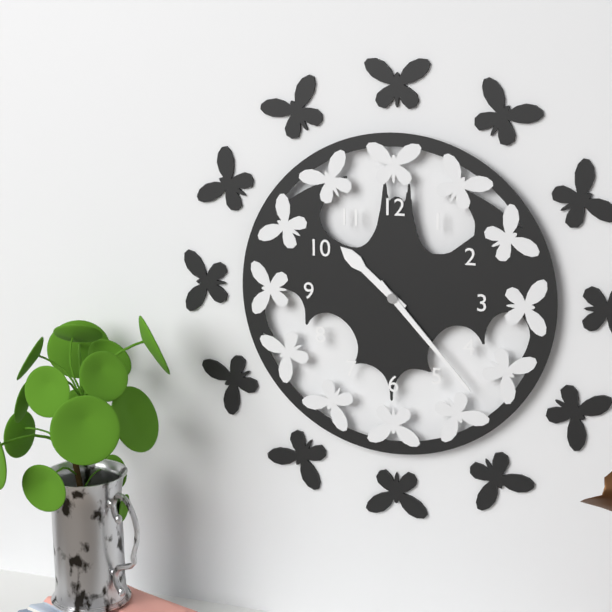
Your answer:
**10:23**
